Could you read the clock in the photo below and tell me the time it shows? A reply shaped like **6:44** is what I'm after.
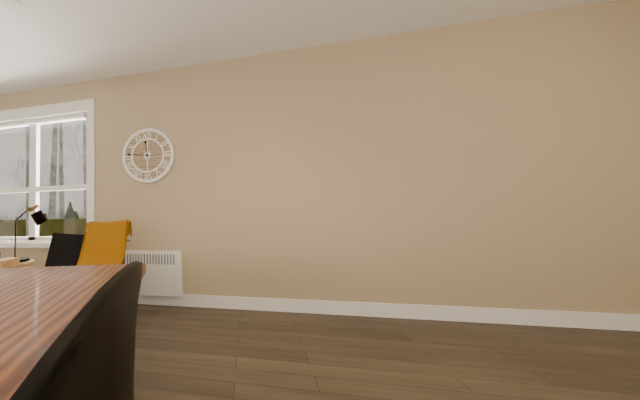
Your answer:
**11:46**
